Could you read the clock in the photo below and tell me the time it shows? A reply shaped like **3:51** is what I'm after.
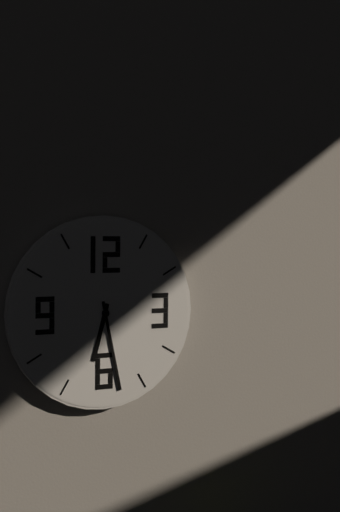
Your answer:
**6:28**
